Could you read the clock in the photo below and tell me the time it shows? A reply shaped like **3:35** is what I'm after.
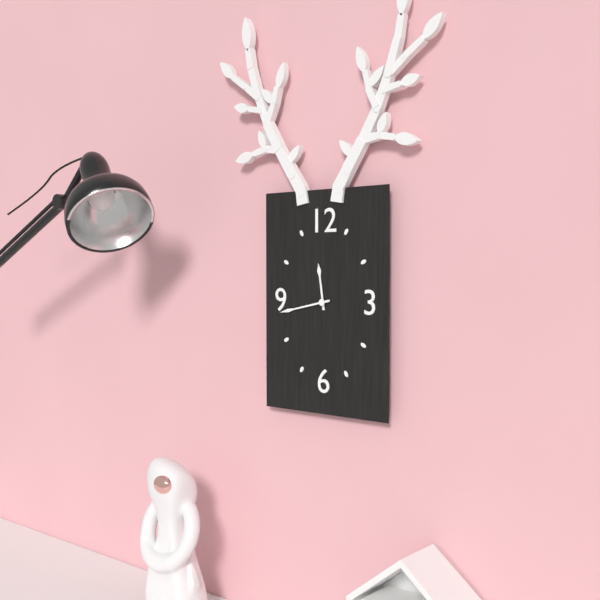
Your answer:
**11:43**
